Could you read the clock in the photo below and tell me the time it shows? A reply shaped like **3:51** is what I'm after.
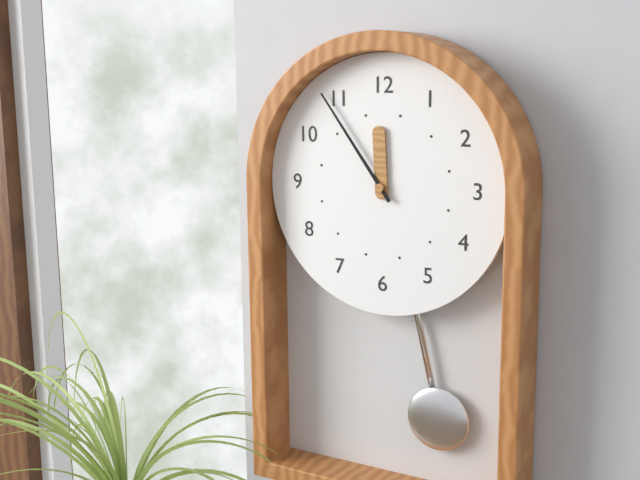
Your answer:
**11:54**
